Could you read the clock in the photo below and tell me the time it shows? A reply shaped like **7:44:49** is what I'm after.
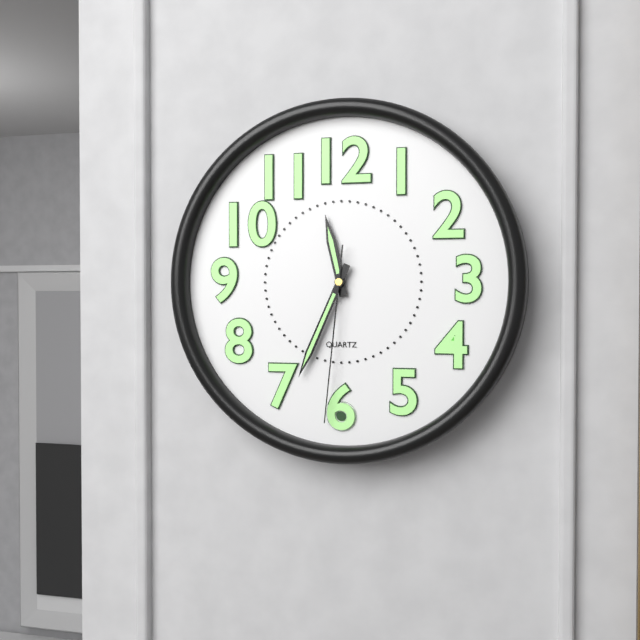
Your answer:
**11:34:31**
